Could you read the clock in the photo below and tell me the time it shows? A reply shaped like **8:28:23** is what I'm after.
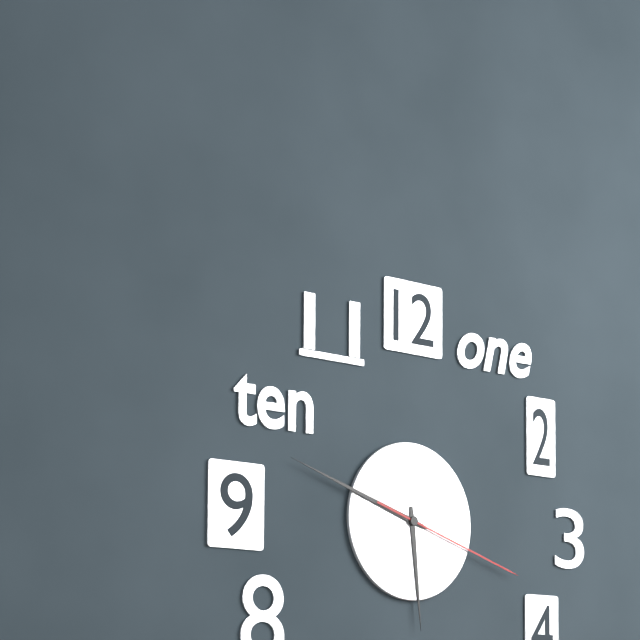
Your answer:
**5:48:18**
